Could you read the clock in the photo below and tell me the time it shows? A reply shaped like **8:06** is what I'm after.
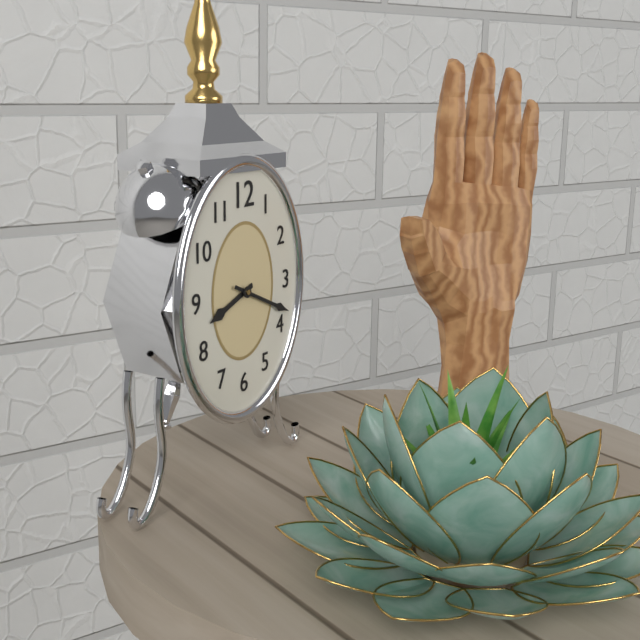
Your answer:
**8:19**
